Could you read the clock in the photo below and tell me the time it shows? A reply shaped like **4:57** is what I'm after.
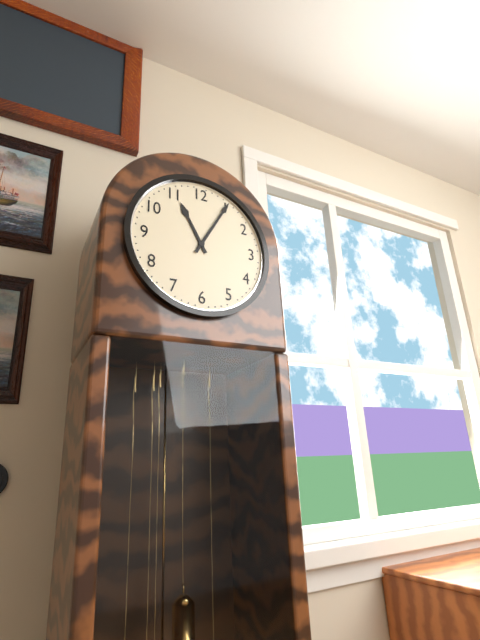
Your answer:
**11:05**
